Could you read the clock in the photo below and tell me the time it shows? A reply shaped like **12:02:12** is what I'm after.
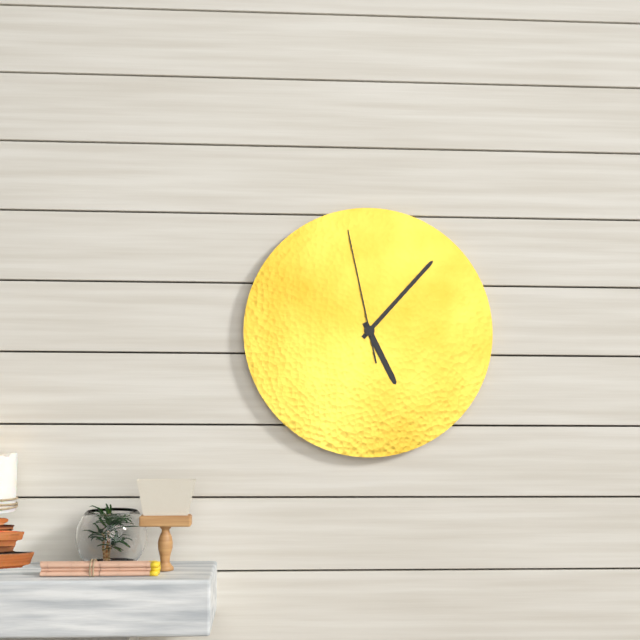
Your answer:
**5:07:58**
